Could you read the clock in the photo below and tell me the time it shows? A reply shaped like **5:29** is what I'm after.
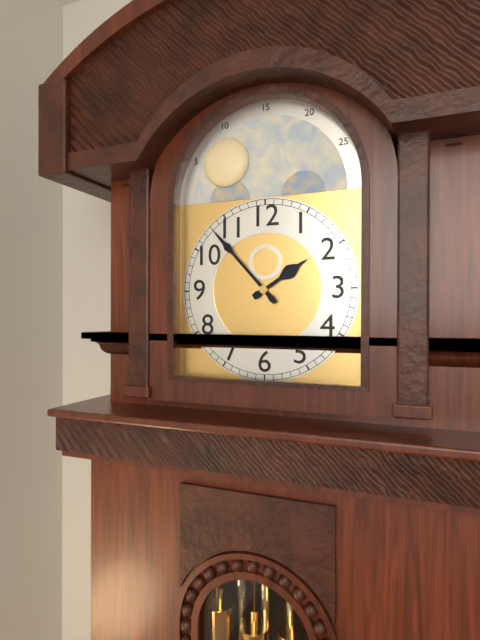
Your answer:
**1:53**
